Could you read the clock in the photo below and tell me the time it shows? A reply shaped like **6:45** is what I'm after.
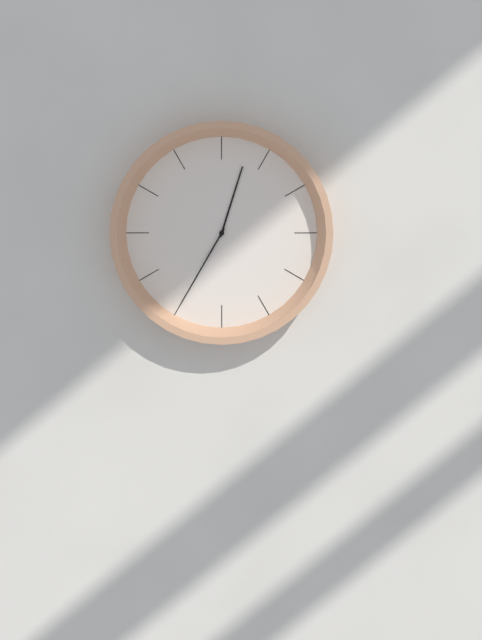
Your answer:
**12:35**
